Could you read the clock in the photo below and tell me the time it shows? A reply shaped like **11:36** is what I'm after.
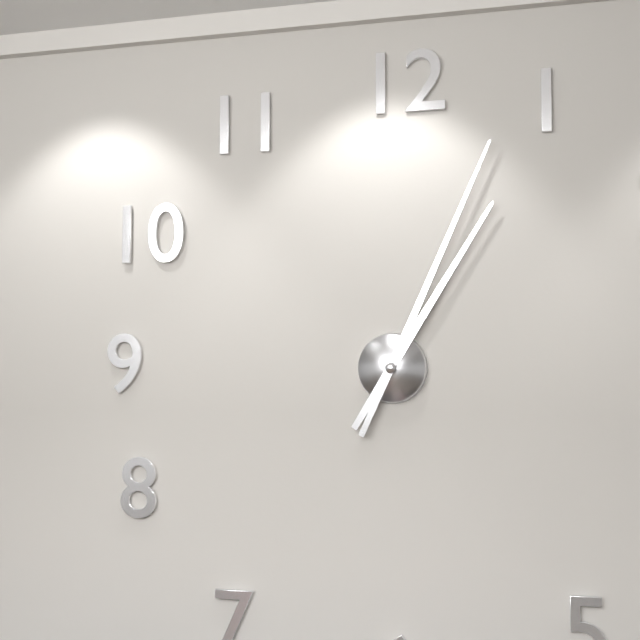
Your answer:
**1:04**
